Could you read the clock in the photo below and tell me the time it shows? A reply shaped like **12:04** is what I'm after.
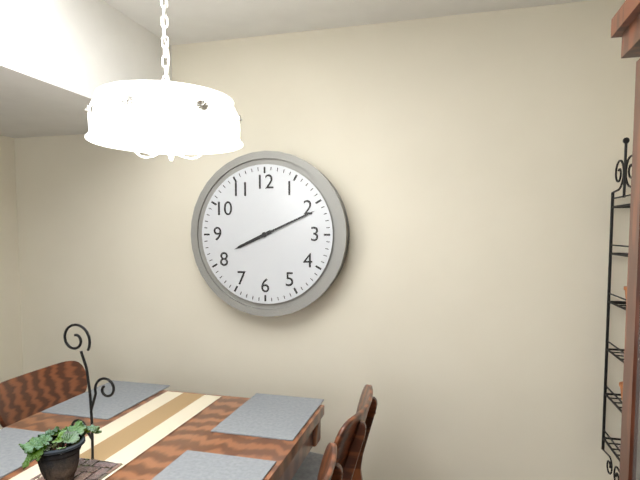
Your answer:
**8:11**
